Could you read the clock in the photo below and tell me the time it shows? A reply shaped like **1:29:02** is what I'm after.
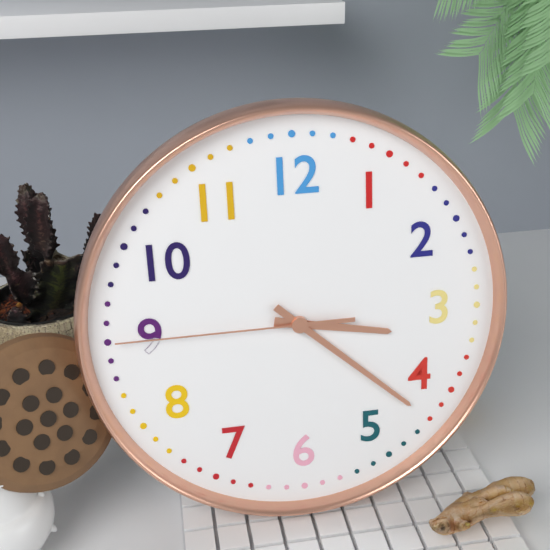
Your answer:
**3:22:45**
